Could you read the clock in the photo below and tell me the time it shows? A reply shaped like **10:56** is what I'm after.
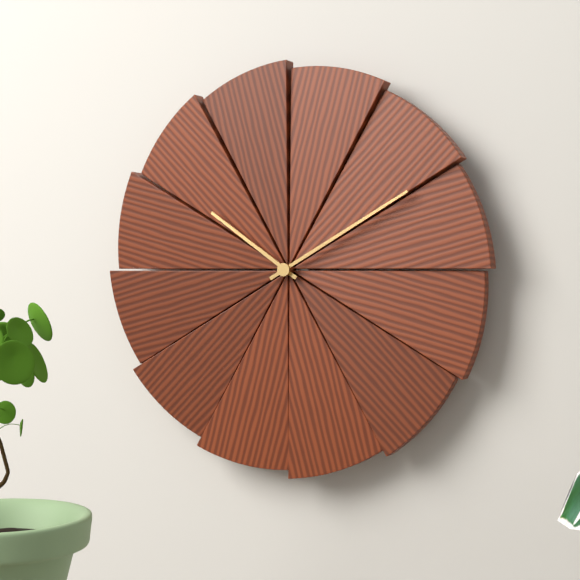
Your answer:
**10:10**
